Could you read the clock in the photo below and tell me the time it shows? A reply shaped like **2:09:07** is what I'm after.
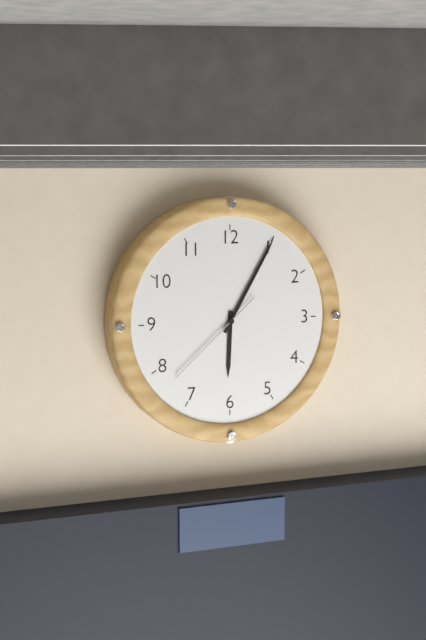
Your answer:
**6:05:38**
